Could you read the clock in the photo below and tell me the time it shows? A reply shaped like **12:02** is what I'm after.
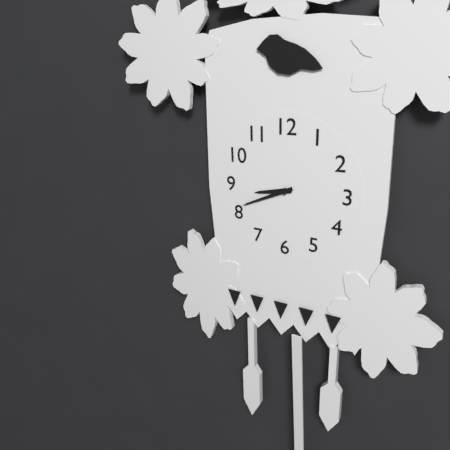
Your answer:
**8:41**
